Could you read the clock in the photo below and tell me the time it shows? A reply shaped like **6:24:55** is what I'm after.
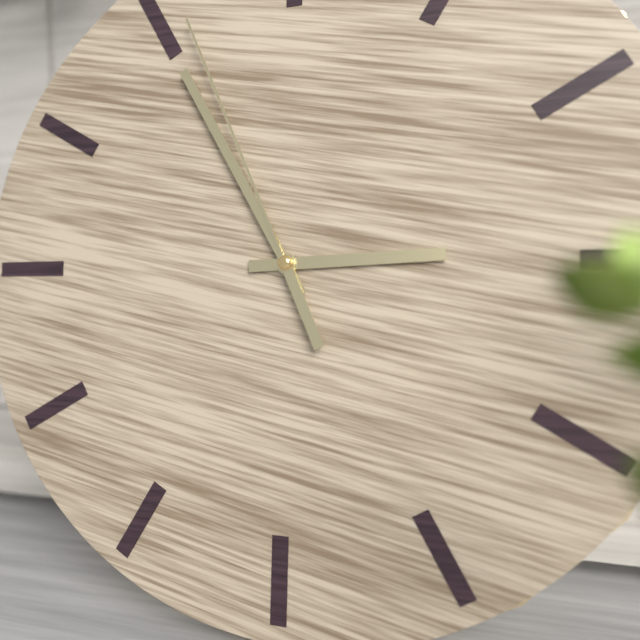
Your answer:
**2:55:56**
